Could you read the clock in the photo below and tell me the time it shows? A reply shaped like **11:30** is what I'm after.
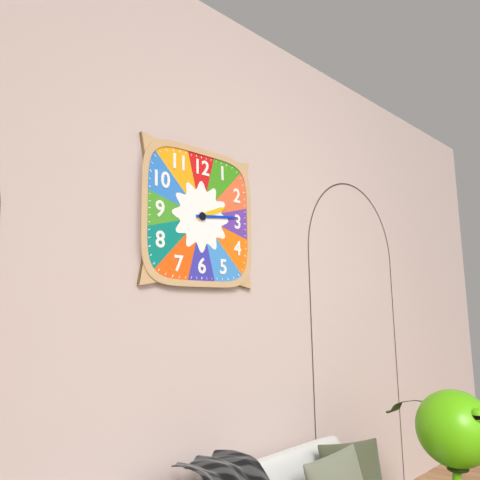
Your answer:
**2:14**
